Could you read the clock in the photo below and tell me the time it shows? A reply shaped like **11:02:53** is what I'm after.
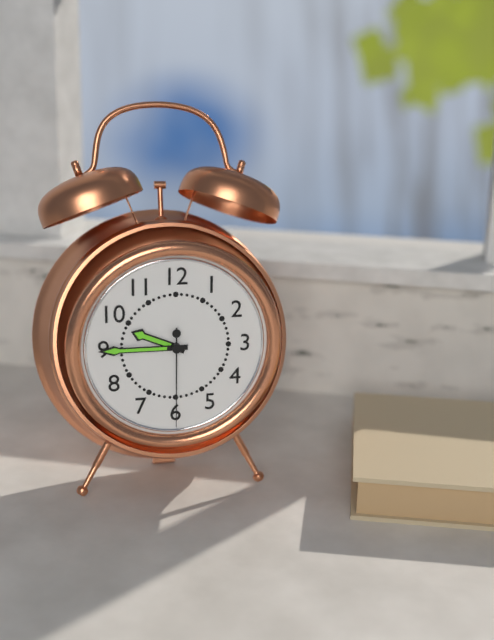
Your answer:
**9:45:30**
